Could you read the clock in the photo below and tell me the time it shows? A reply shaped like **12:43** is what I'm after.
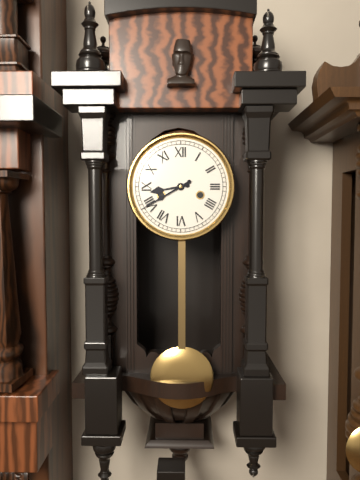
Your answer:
**8:40**
